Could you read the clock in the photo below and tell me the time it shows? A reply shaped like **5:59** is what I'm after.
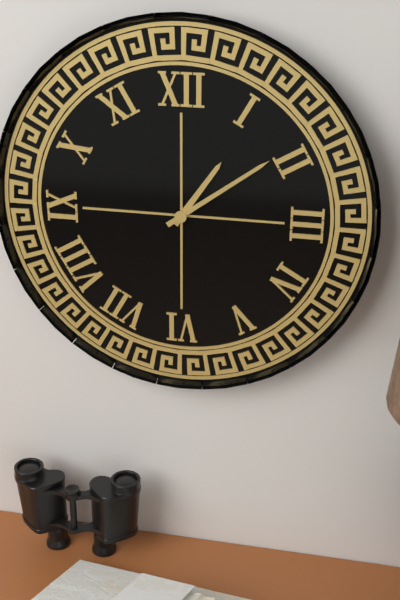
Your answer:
**1:09**
